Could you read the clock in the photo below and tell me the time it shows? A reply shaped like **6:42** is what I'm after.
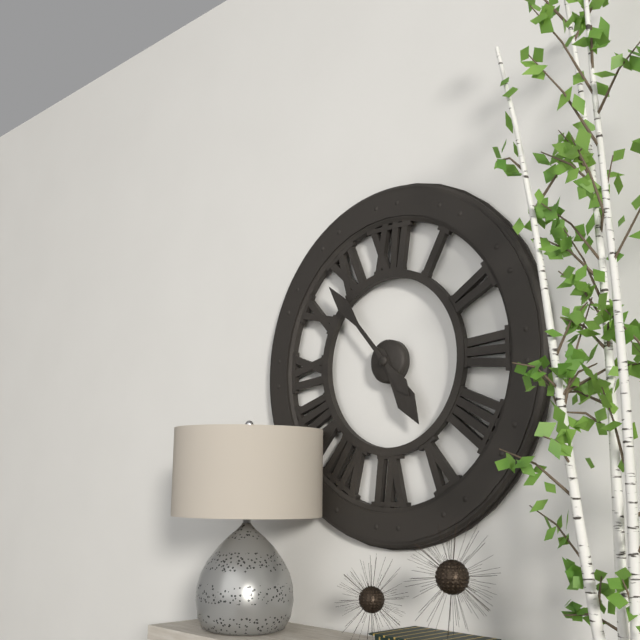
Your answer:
**4:53**
